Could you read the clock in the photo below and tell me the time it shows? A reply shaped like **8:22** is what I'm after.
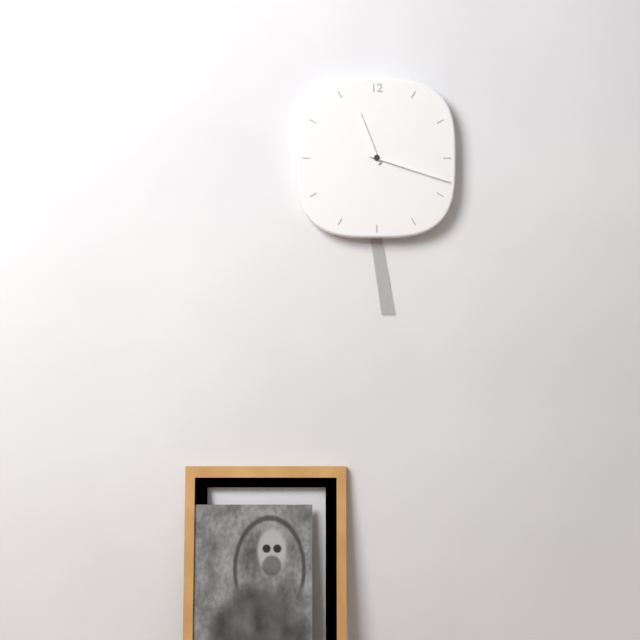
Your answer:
**11:18**
